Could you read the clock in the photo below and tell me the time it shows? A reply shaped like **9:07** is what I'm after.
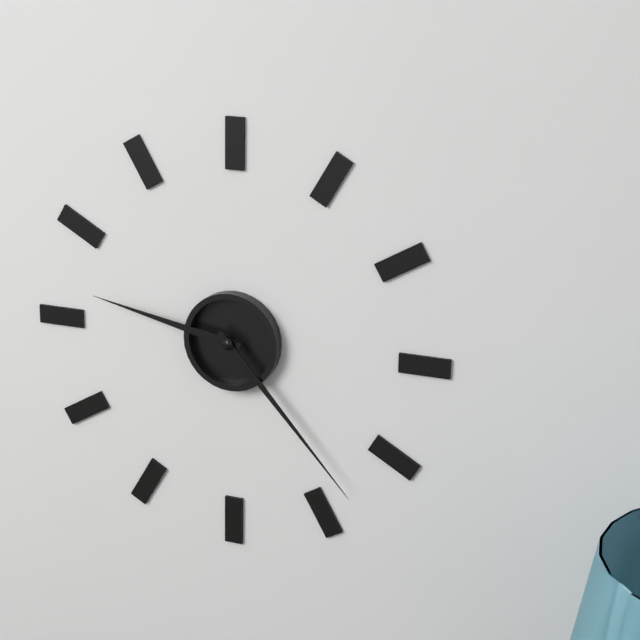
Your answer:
**9:23**
